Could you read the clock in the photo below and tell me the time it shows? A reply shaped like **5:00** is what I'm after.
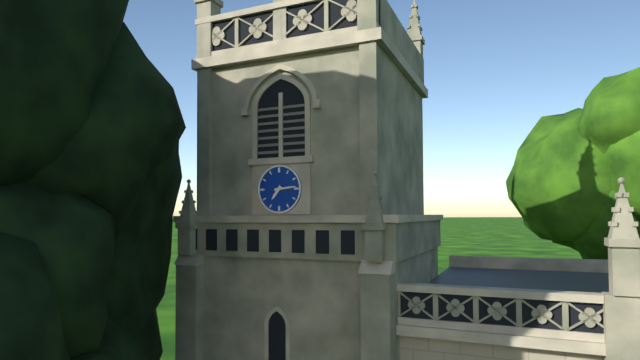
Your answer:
**7:14**
